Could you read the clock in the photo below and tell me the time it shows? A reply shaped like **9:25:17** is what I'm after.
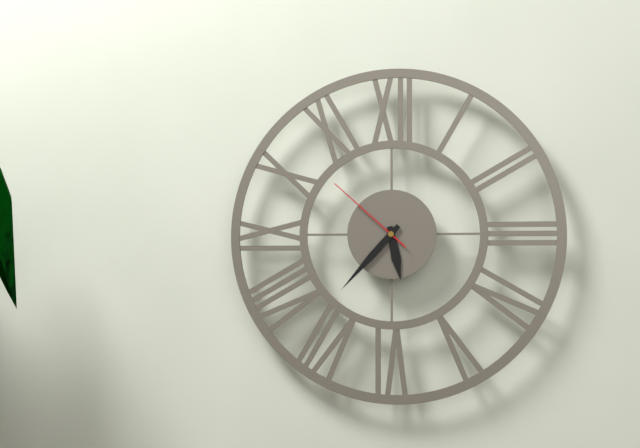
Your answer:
**5:37:52**
